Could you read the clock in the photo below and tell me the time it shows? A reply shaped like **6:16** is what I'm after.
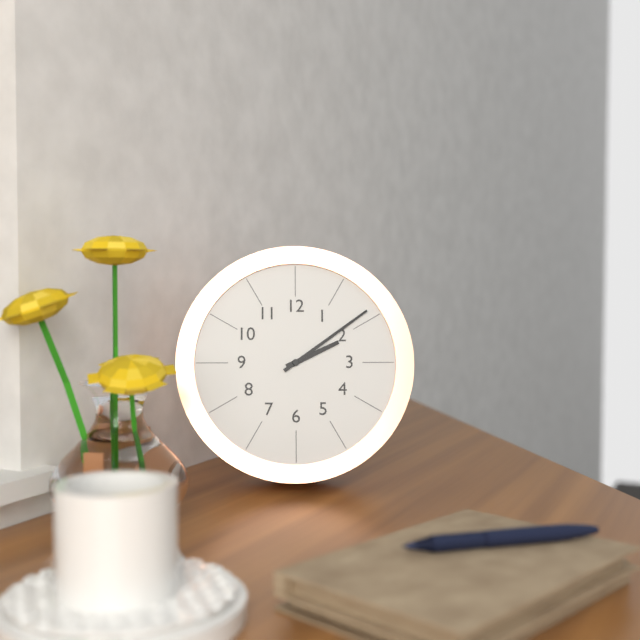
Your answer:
**2:09**
